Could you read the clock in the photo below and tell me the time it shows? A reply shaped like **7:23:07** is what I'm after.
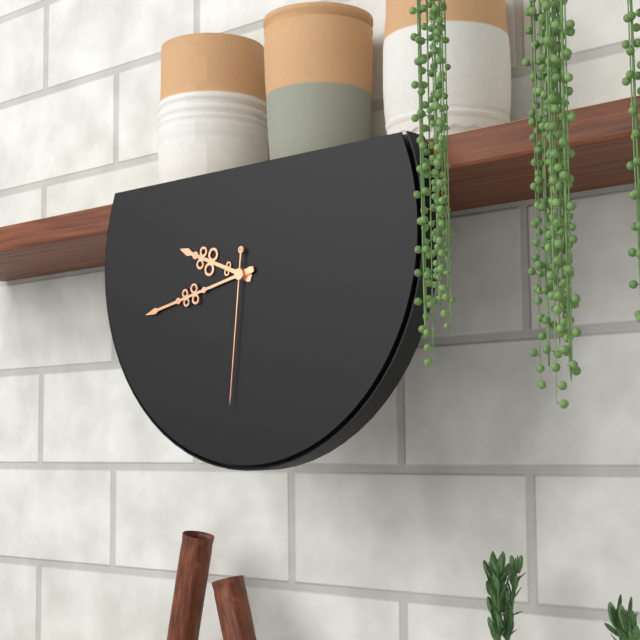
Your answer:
**9:43:31**
